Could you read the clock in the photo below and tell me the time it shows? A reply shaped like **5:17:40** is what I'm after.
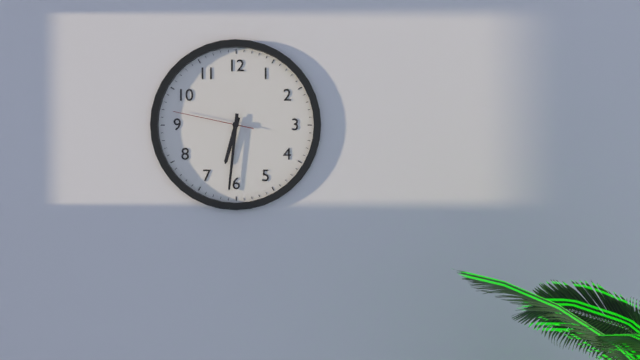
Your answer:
**6:31:47**
